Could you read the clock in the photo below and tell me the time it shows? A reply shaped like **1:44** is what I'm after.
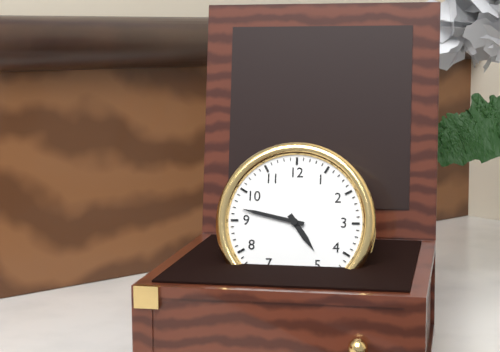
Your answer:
**4:47**
